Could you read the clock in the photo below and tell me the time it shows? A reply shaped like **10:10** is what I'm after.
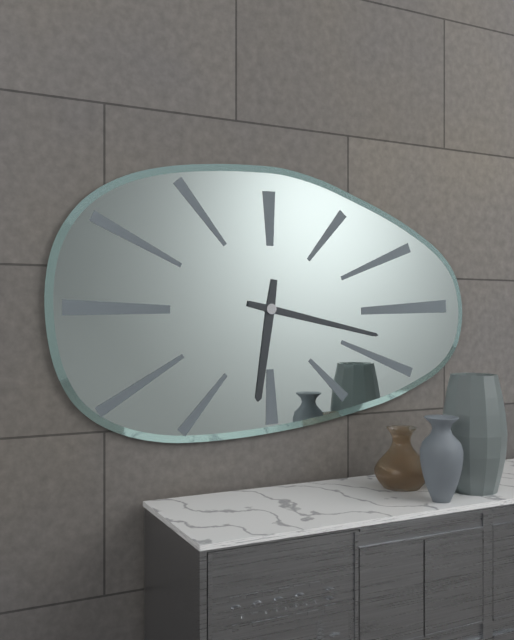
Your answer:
**6:17**
